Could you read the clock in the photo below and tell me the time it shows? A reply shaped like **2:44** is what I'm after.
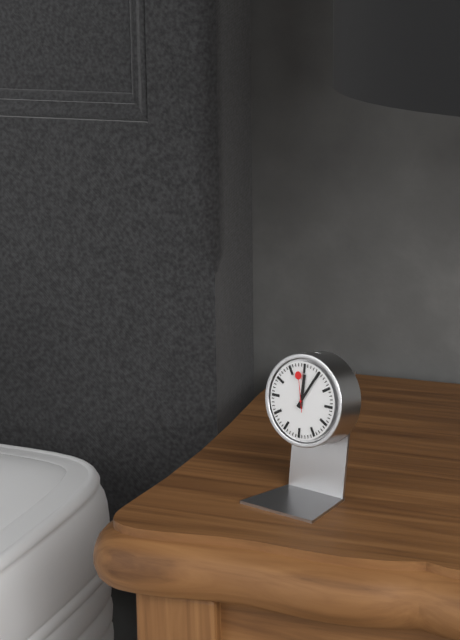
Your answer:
**12:05**
